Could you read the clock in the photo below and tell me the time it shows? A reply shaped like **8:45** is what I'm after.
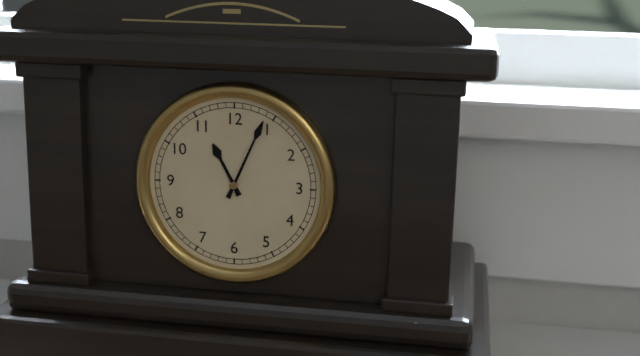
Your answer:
**11:04**
